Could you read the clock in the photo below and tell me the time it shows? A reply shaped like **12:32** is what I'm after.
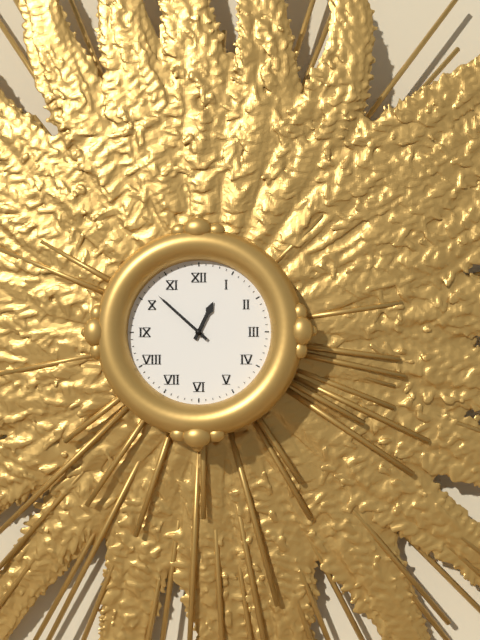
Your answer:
**12:52**
